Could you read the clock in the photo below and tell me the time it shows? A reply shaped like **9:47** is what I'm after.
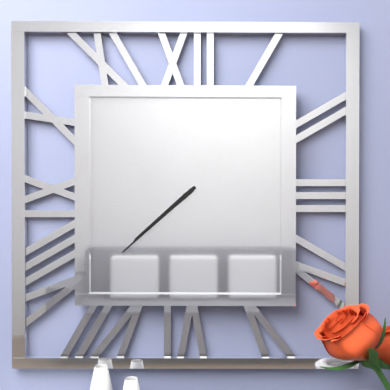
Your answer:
**7:38**
